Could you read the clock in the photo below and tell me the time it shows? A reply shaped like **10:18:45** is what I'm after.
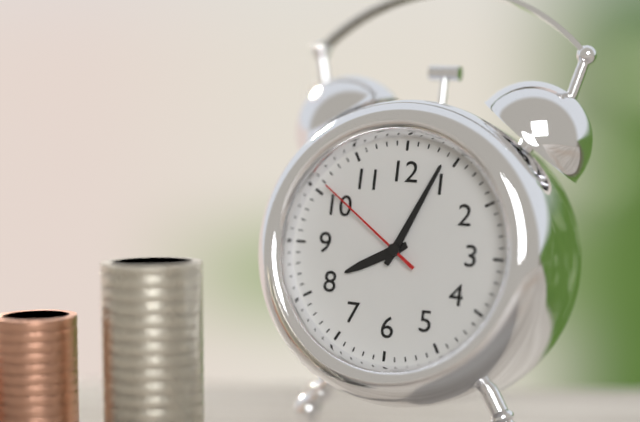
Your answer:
**8:04:51**
